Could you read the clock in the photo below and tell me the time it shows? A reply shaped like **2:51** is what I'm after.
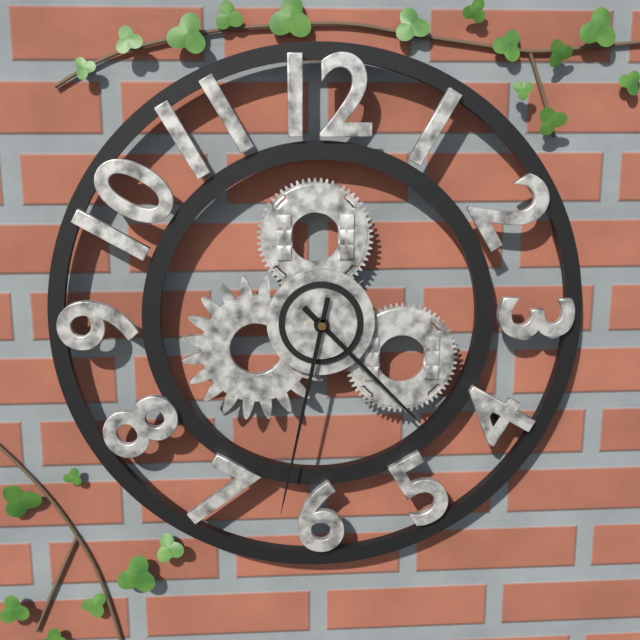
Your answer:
**4:32**
